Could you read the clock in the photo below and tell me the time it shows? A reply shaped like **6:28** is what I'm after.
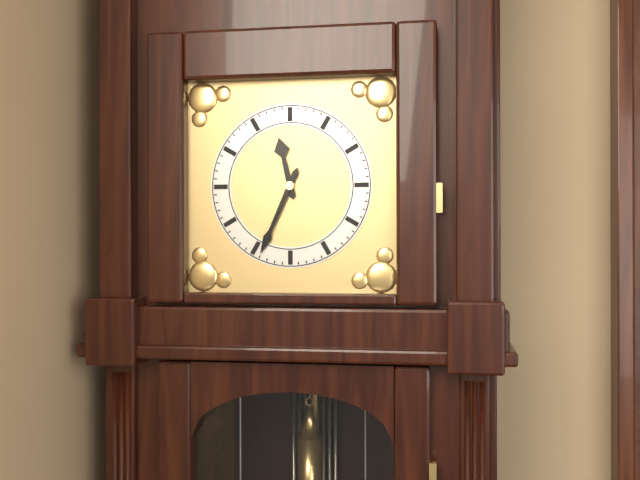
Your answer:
**11:34**
